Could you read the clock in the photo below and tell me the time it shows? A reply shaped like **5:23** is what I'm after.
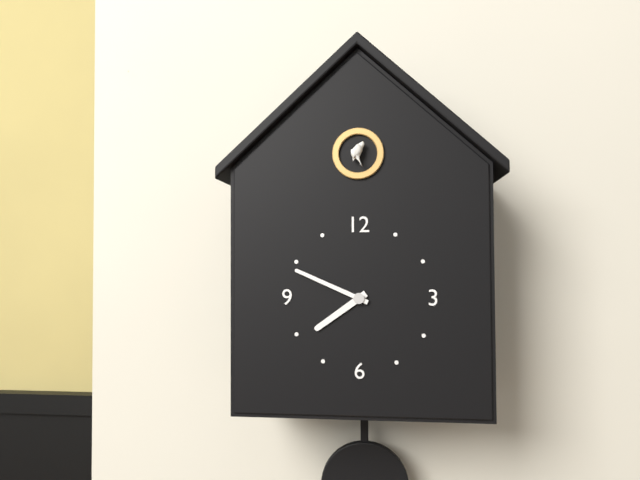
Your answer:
**7:49**
